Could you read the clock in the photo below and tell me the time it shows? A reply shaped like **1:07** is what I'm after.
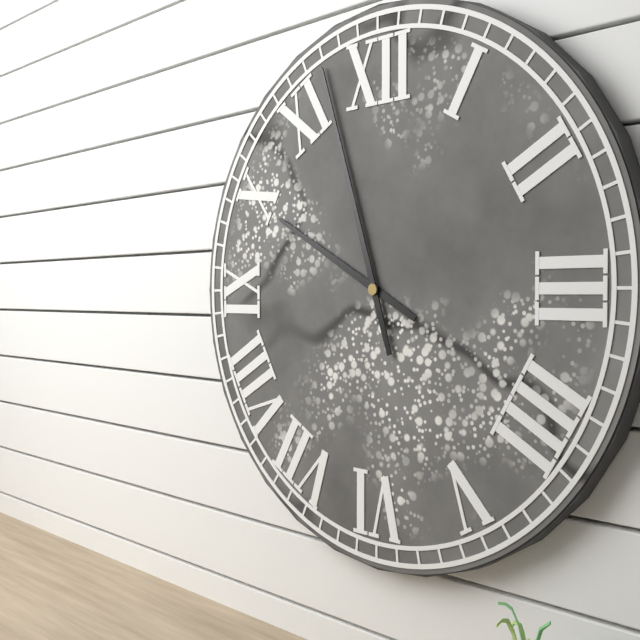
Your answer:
**9:57**
